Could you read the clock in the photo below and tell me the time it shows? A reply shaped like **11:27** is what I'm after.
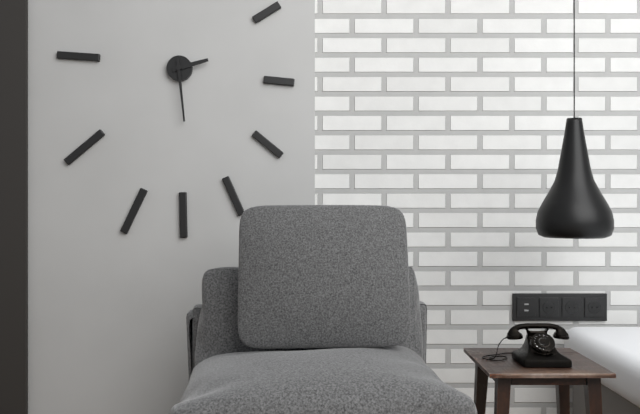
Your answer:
**2:29**
